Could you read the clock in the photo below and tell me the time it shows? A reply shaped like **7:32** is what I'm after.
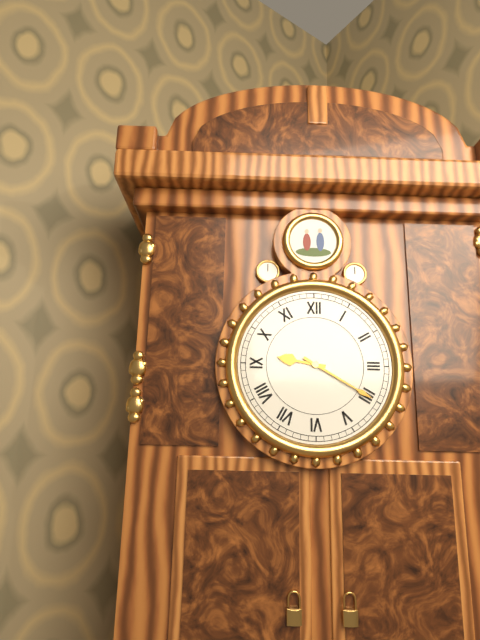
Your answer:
**9:20**
